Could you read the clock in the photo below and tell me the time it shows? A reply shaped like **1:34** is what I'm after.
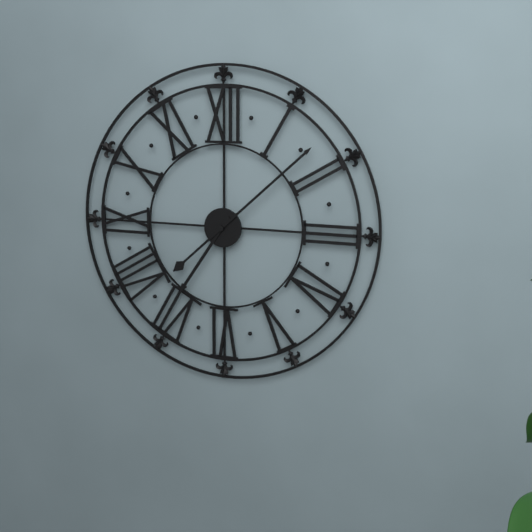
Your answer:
**7:08**
